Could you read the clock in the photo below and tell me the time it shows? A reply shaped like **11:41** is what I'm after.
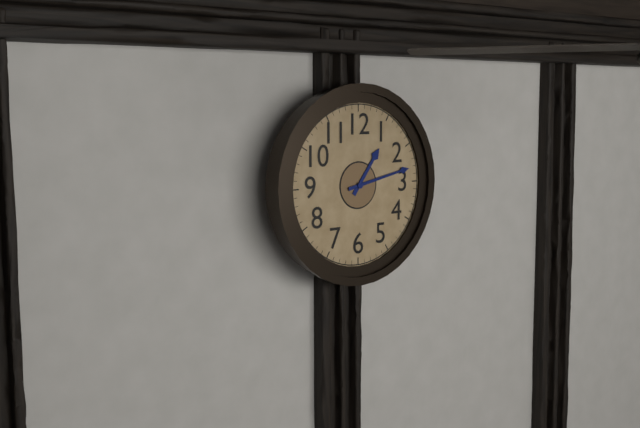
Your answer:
**1:13**
